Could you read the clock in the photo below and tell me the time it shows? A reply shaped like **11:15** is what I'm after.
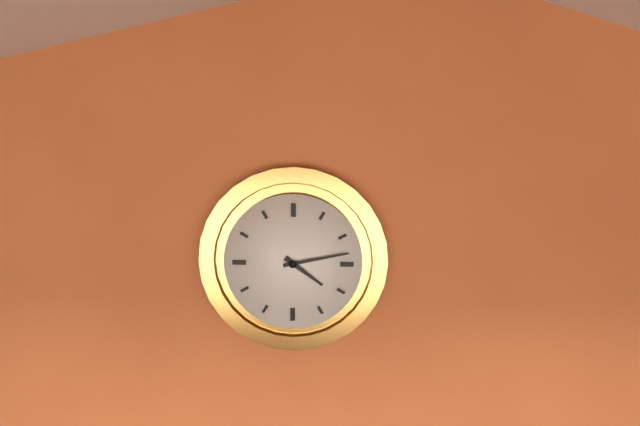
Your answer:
**4:13**
